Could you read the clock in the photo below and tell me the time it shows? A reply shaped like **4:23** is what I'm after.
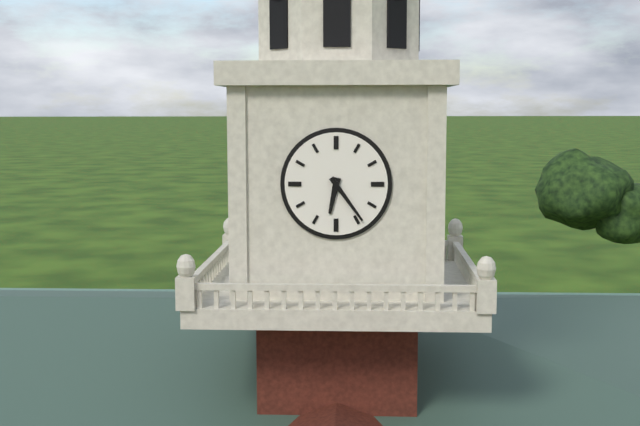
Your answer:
**6:24**
